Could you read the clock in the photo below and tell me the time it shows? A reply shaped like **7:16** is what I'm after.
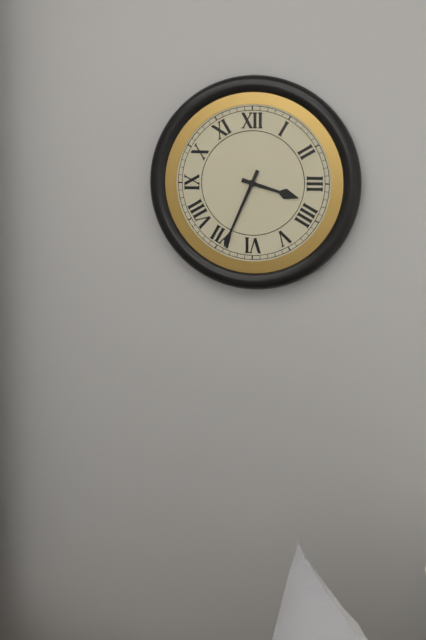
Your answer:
**3:34**
